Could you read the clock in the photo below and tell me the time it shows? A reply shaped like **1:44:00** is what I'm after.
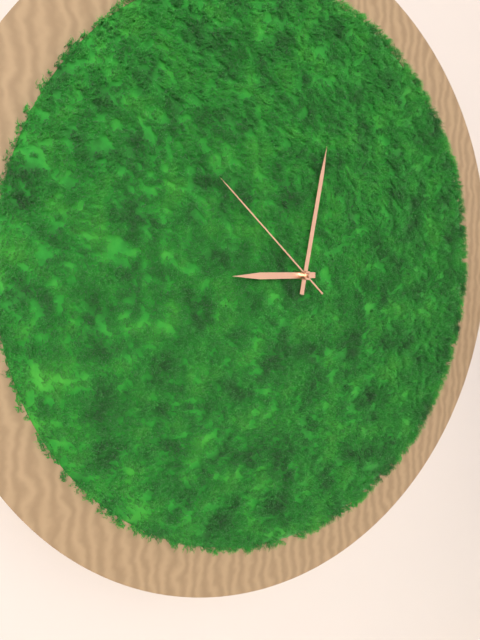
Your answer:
**9:02:52**
